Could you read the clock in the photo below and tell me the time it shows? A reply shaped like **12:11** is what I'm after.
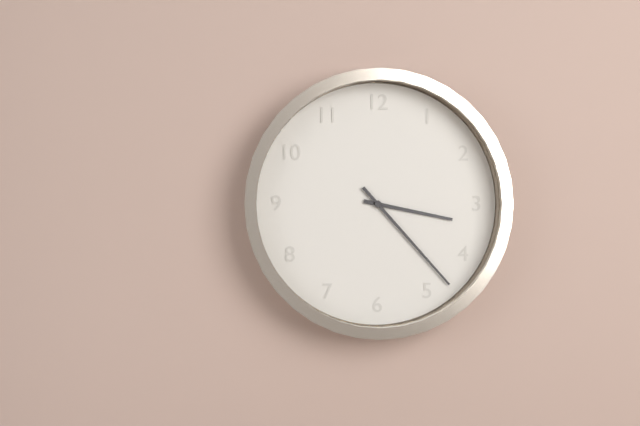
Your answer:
**3:23**
